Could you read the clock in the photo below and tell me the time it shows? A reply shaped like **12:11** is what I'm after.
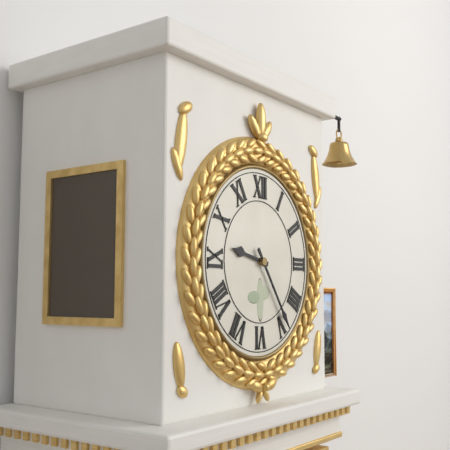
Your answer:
**9:24**
